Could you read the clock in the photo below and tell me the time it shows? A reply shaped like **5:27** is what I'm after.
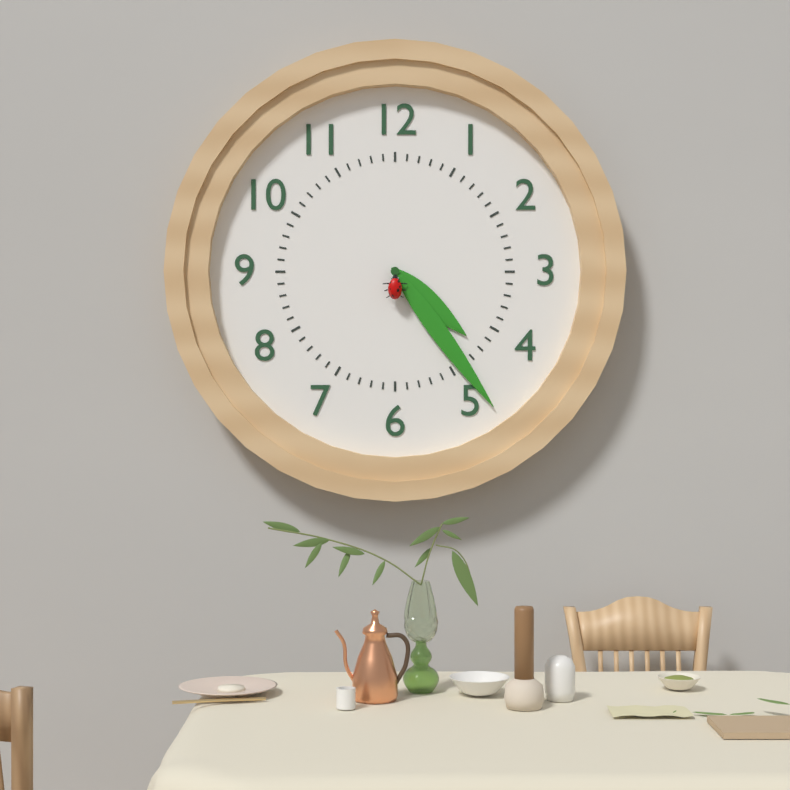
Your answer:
**4:24**
